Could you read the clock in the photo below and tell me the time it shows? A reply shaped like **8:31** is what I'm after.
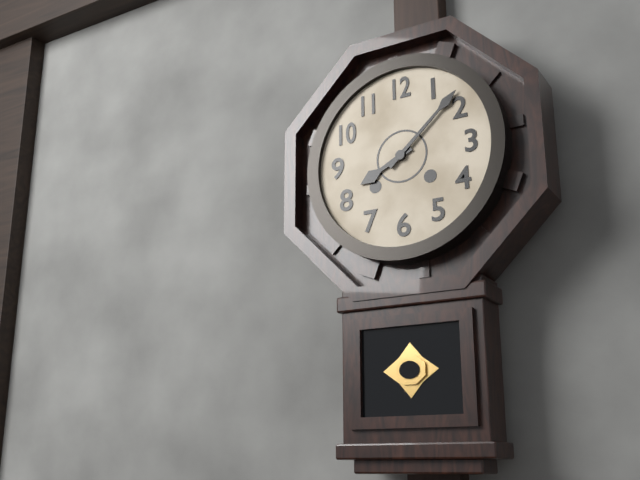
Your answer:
**8:08**
